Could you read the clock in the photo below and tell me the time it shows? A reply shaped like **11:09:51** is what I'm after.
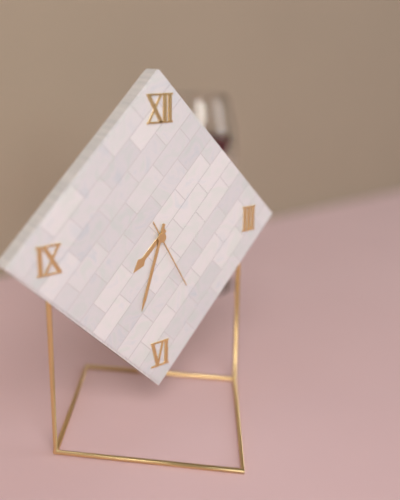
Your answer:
**7:33:25**
